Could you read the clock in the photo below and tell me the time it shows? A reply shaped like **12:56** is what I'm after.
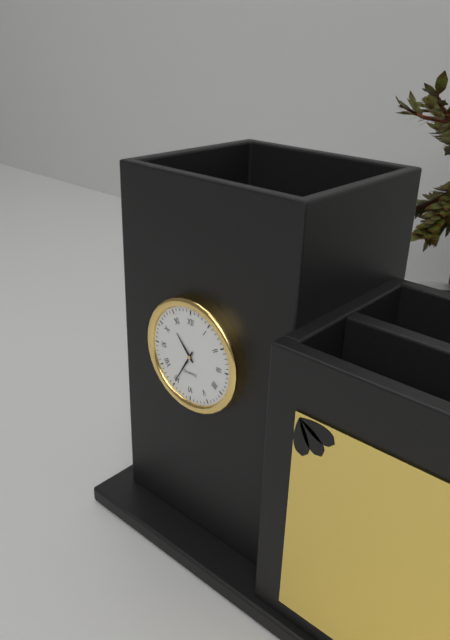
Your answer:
**10:35**
